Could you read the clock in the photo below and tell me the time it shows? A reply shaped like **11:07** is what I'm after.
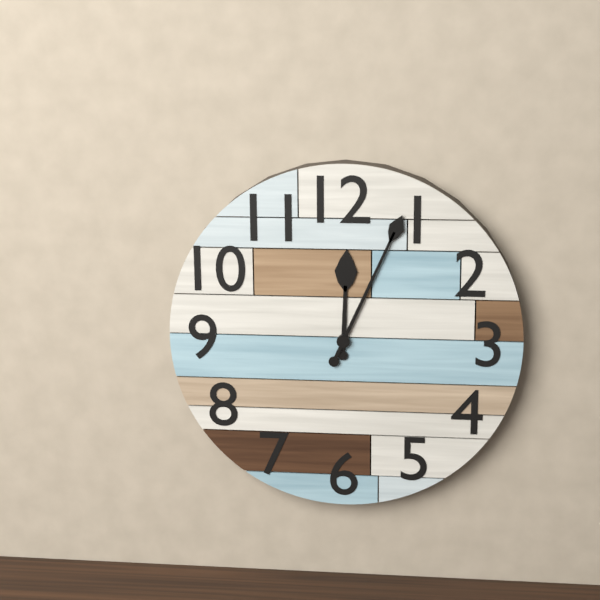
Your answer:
**12:04**
